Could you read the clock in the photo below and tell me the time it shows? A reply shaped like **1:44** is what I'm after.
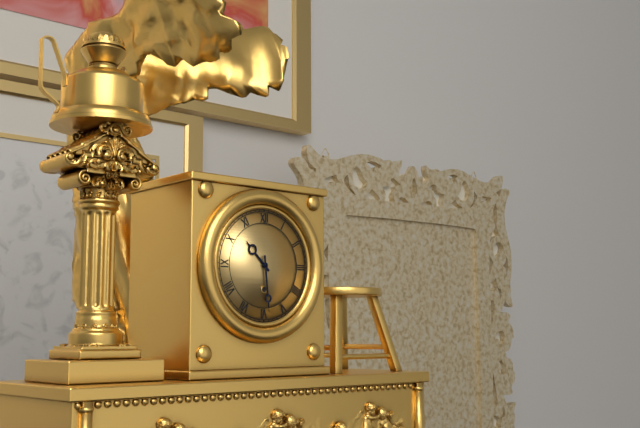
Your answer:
**10:29**
